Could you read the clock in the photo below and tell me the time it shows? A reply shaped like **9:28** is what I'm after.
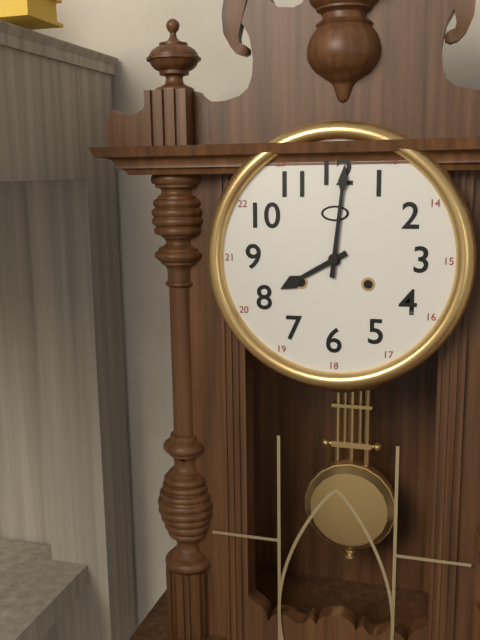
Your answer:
**8:01**
